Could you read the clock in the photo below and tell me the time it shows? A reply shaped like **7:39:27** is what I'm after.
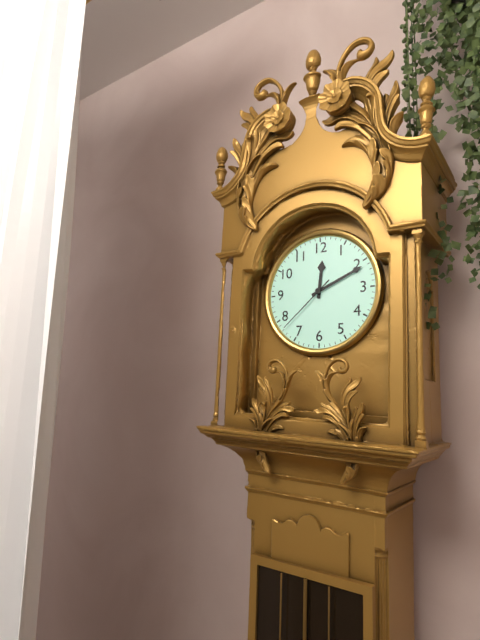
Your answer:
**12:11:38**
